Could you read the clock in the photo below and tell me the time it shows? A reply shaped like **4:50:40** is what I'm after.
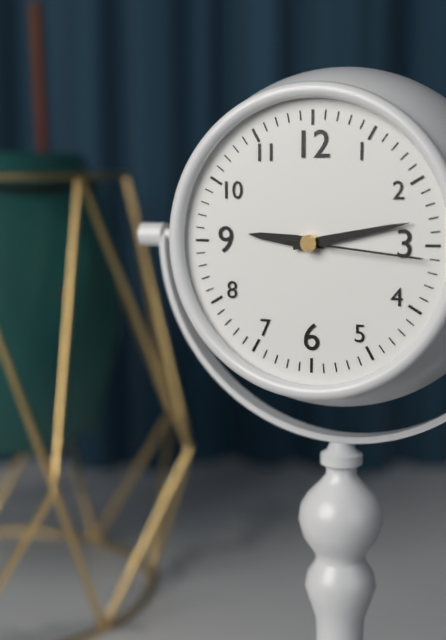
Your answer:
**9:13:16**
